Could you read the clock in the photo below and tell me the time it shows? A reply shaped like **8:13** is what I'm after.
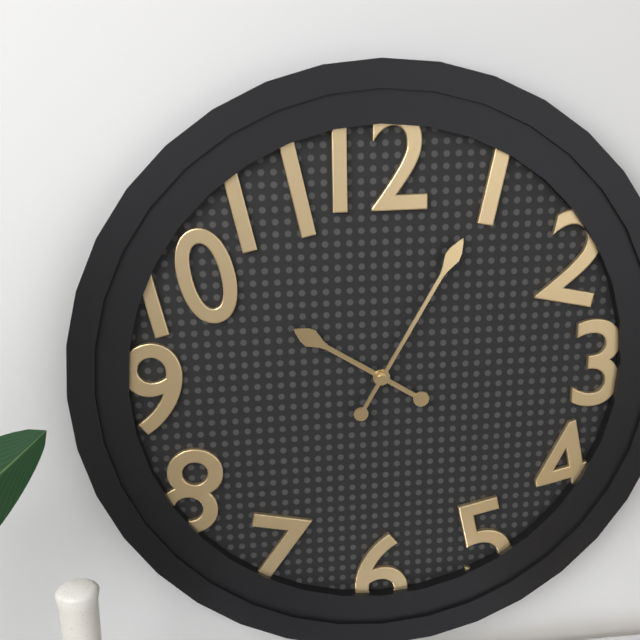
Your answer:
**10:05**
